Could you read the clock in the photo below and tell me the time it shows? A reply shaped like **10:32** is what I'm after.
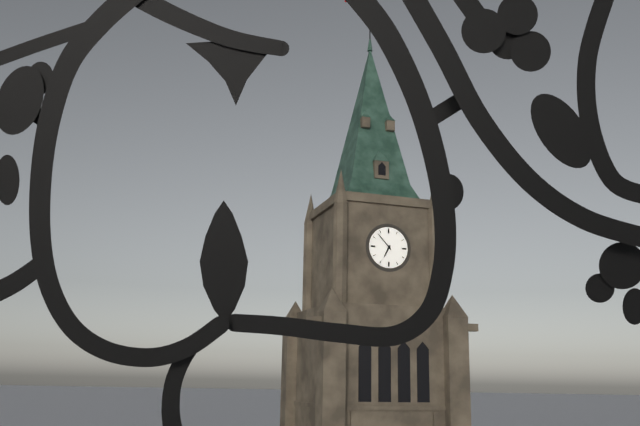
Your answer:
**6:53**
